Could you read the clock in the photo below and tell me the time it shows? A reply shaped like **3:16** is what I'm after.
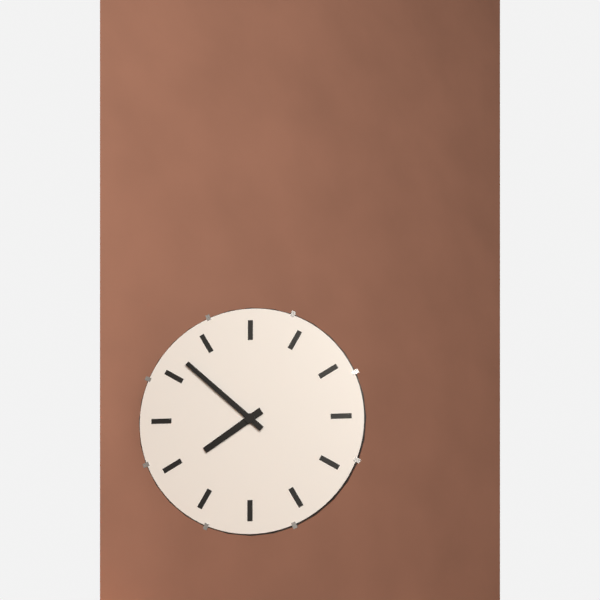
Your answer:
**7:52**
